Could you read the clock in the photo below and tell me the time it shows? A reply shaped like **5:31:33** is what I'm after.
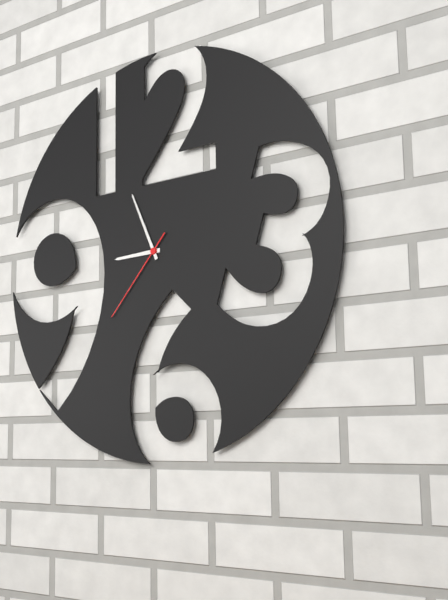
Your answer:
**8:56:37**
